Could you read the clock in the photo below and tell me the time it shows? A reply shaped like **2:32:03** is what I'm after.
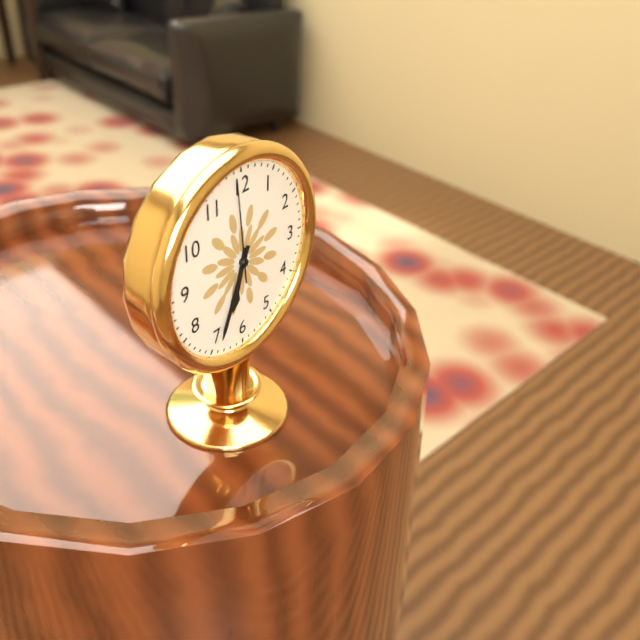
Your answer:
**6:34:59**
